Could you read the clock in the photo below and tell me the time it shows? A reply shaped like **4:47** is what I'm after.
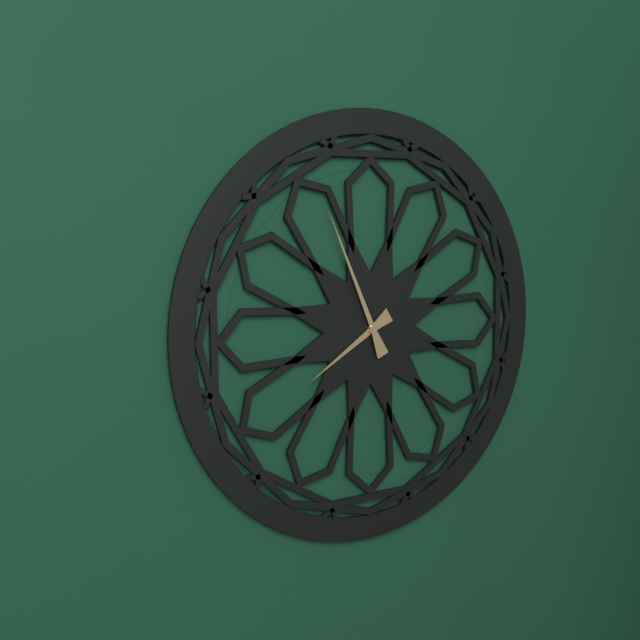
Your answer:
**7:56**
